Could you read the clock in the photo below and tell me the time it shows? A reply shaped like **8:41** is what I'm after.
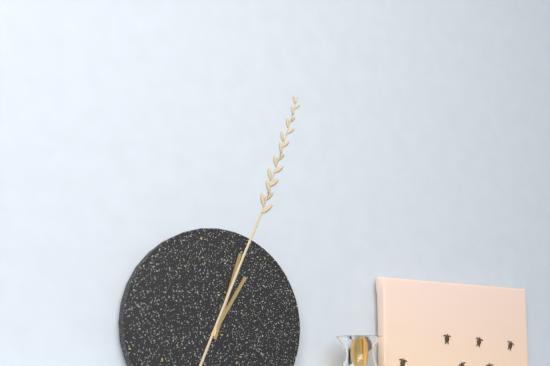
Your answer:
**1:03**
